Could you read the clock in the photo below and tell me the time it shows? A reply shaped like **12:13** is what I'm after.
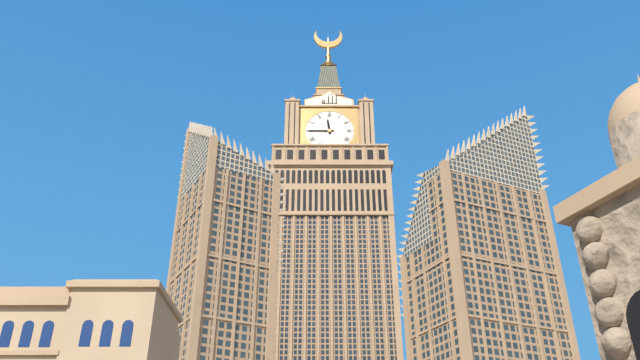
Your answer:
**11:45**
